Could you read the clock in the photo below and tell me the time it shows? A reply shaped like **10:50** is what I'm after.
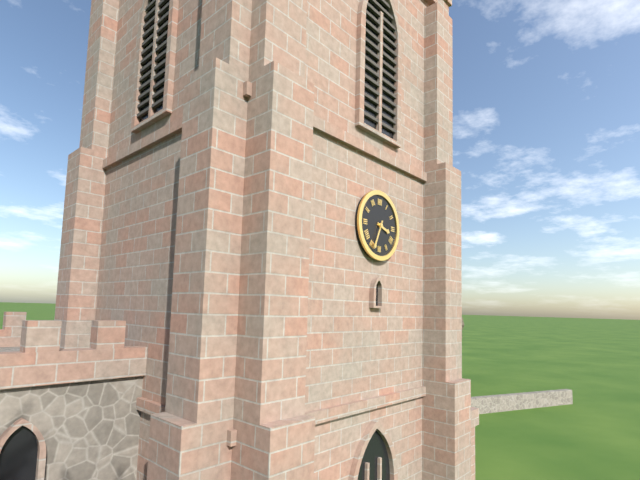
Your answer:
**3:34**
